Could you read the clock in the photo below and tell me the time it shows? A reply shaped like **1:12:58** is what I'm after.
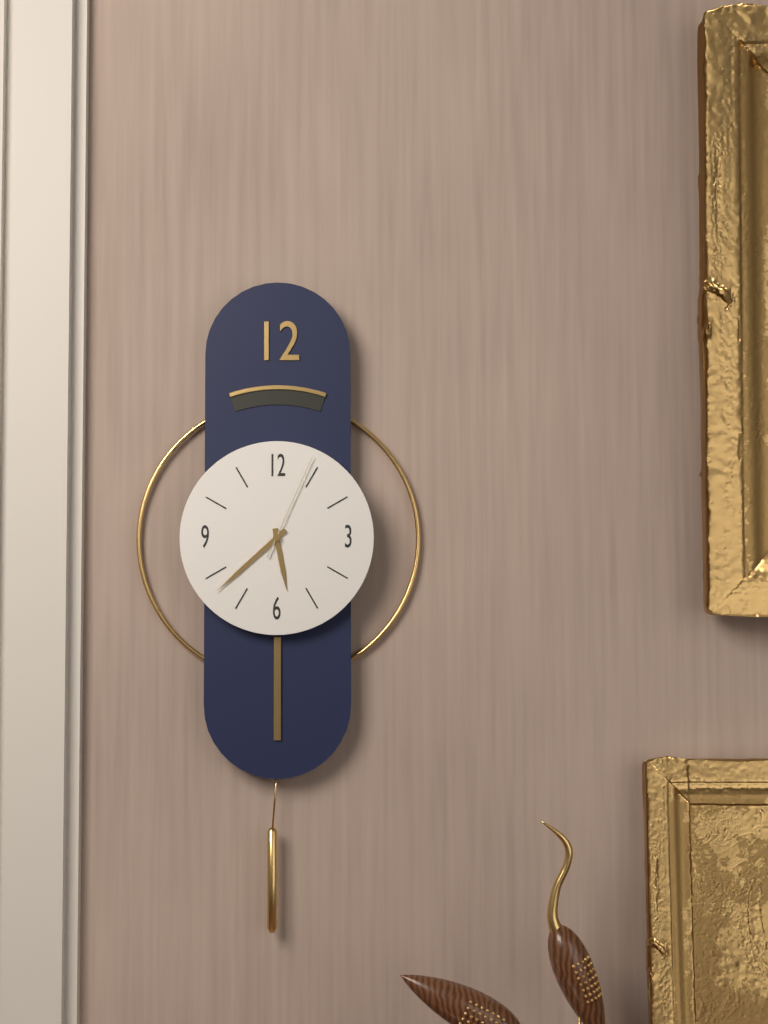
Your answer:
**5:38:04**
